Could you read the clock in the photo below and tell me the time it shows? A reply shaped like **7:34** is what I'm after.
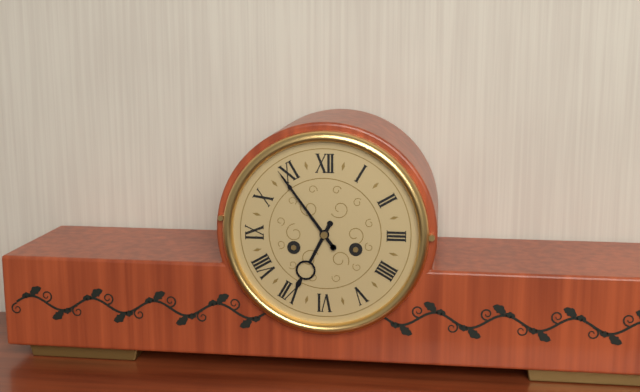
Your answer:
**6:54**
